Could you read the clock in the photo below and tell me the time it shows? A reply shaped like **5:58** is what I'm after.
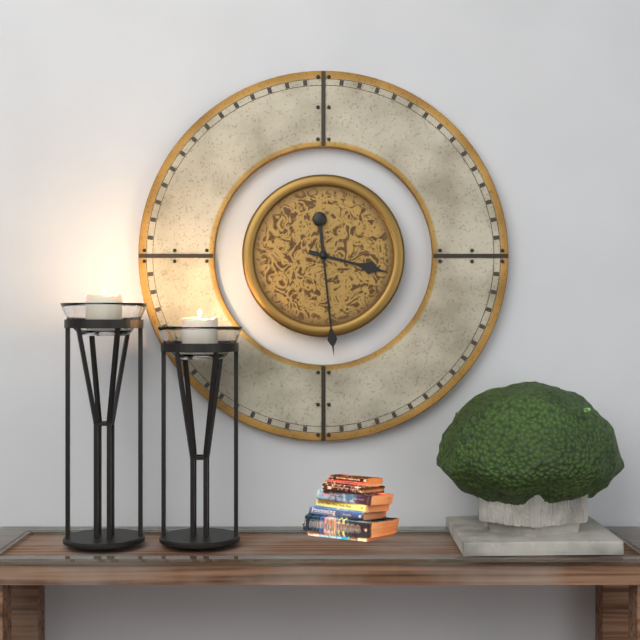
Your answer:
**3:29**
